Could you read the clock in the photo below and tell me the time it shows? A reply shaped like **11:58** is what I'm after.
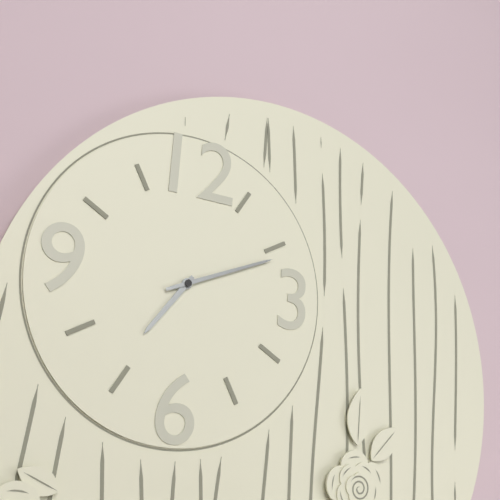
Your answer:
**7:11**
